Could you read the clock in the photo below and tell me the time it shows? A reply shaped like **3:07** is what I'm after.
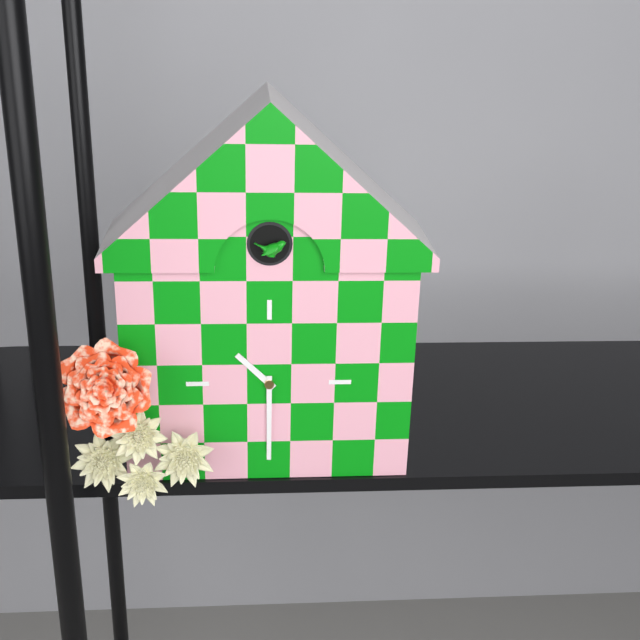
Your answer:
**10:30**
